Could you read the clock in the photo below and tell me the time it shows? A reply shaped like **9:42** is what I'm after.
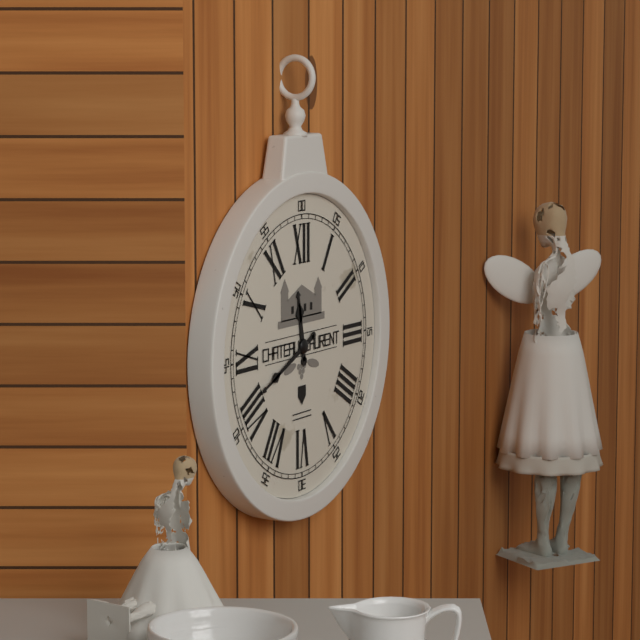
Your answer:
**11:41**
